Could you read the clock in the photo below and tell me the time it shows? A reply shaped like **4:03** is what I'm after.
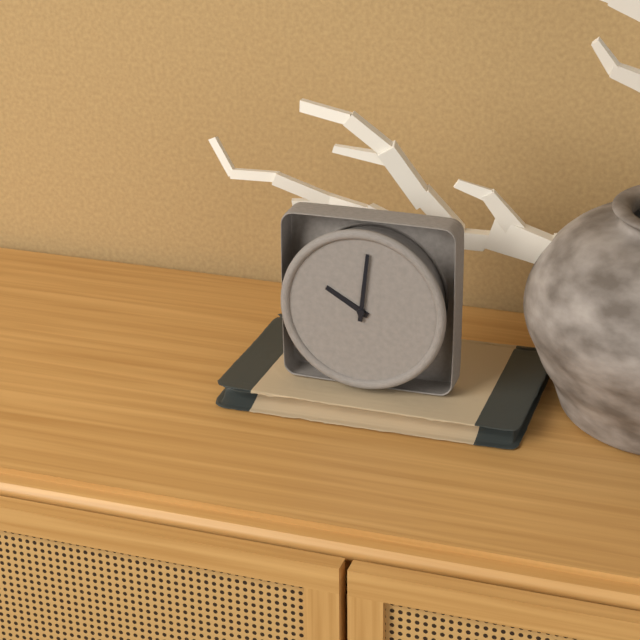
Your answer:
**10:01**
